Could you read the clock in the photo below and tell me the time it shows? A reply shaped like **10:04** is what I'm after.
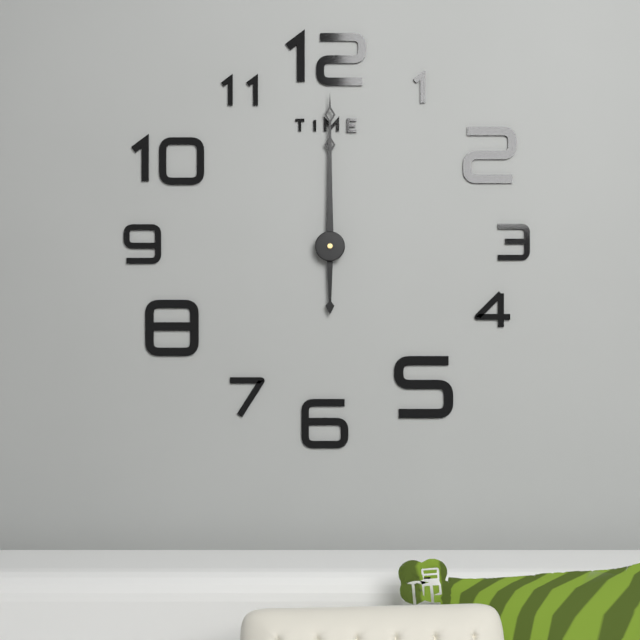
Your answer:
**12:00**
